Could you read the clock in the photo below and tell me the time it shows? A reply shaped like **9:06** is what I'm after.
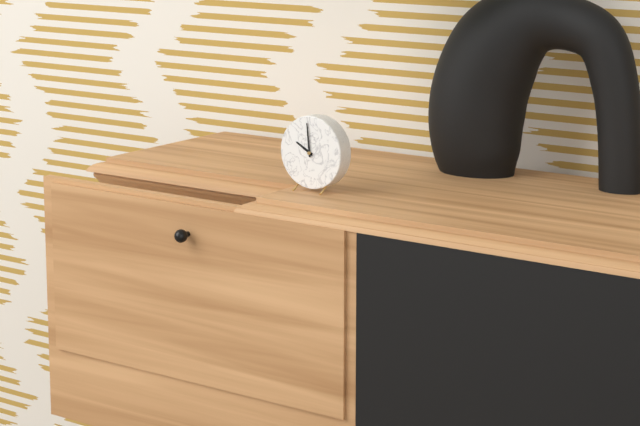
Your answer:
**9:59**
